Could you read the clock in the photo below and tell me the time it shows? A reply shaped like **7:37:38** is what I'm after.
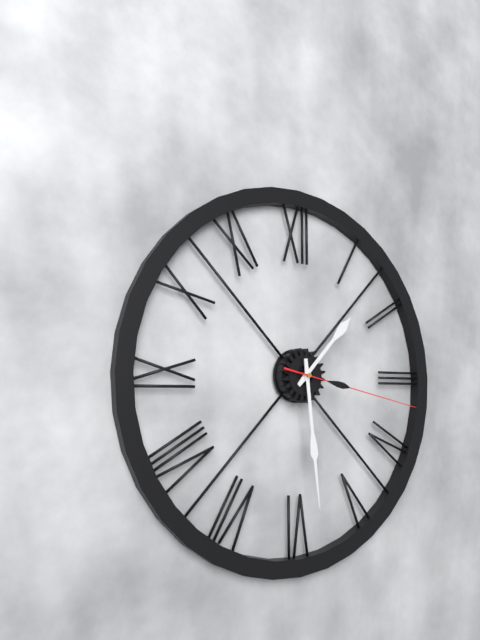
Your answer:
**1:29:17**
